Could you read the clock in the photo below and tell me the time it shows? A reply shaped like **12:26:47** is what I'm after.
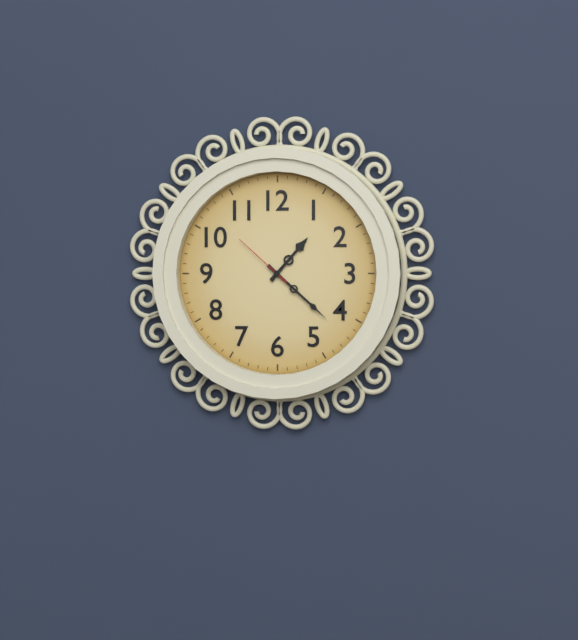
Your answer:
**1:22:52**
